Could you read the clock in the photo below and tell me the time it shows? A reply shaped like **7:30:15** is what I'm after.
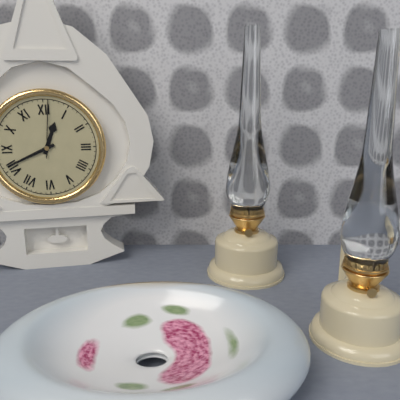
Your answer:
**12:41:01**
